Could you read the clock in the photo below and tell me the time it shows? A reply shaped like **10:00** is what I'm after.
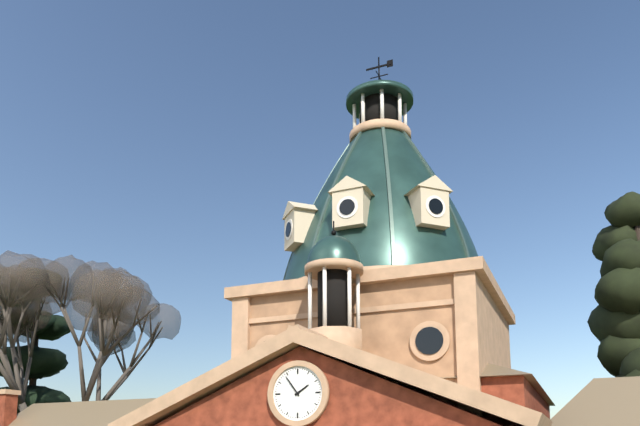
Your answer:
**1:54**
